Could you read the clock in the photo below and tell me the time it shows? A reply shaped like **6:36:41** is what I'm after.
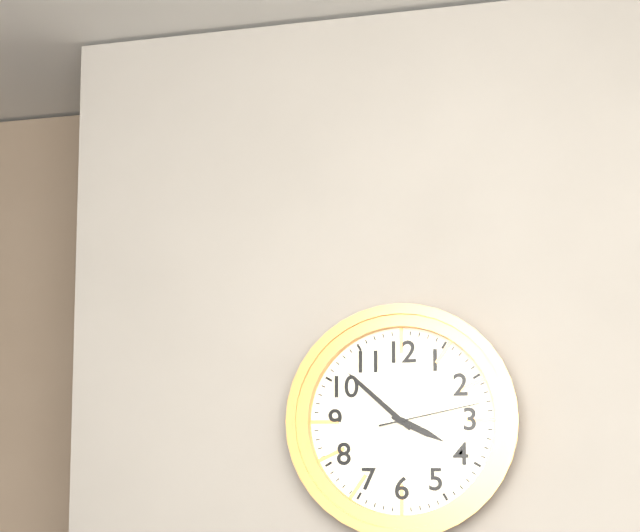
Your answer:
**3:52:13**
